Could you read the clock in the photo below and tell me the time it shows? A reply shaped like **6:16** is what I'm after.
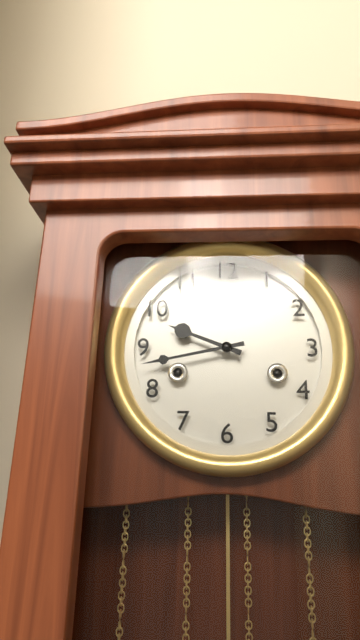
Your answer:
**9:43**
